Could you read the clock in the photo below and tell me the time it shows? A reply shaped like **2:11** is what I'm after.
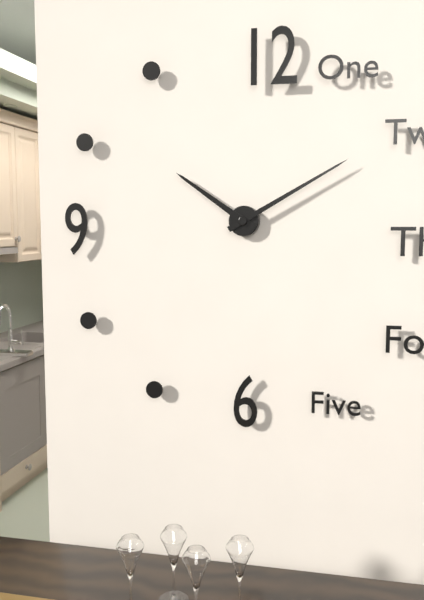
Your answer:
**10:10**
